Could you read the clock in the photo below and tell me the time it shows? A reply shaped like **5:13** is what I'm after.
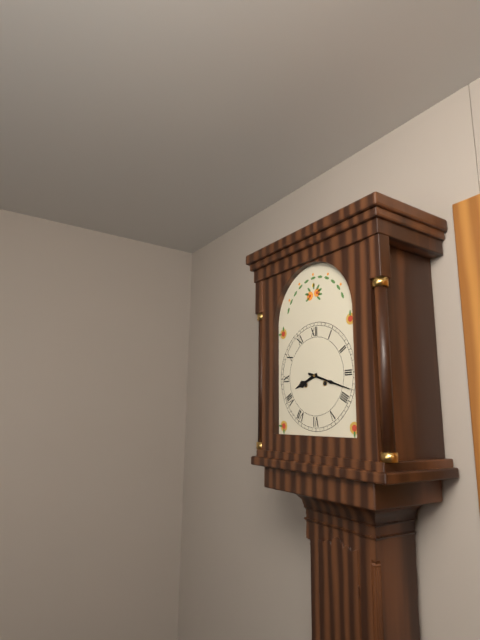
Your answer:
**8:18**
